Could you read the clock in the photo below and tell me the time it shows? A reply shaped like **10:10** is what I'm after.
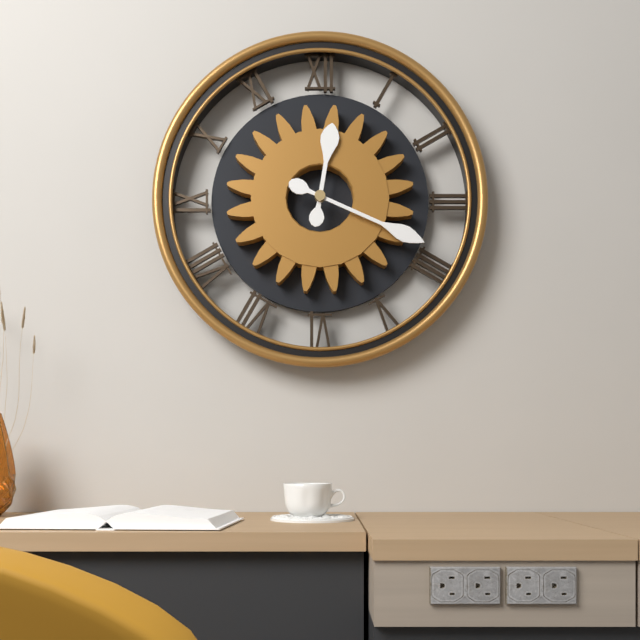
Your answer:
**12:19**
